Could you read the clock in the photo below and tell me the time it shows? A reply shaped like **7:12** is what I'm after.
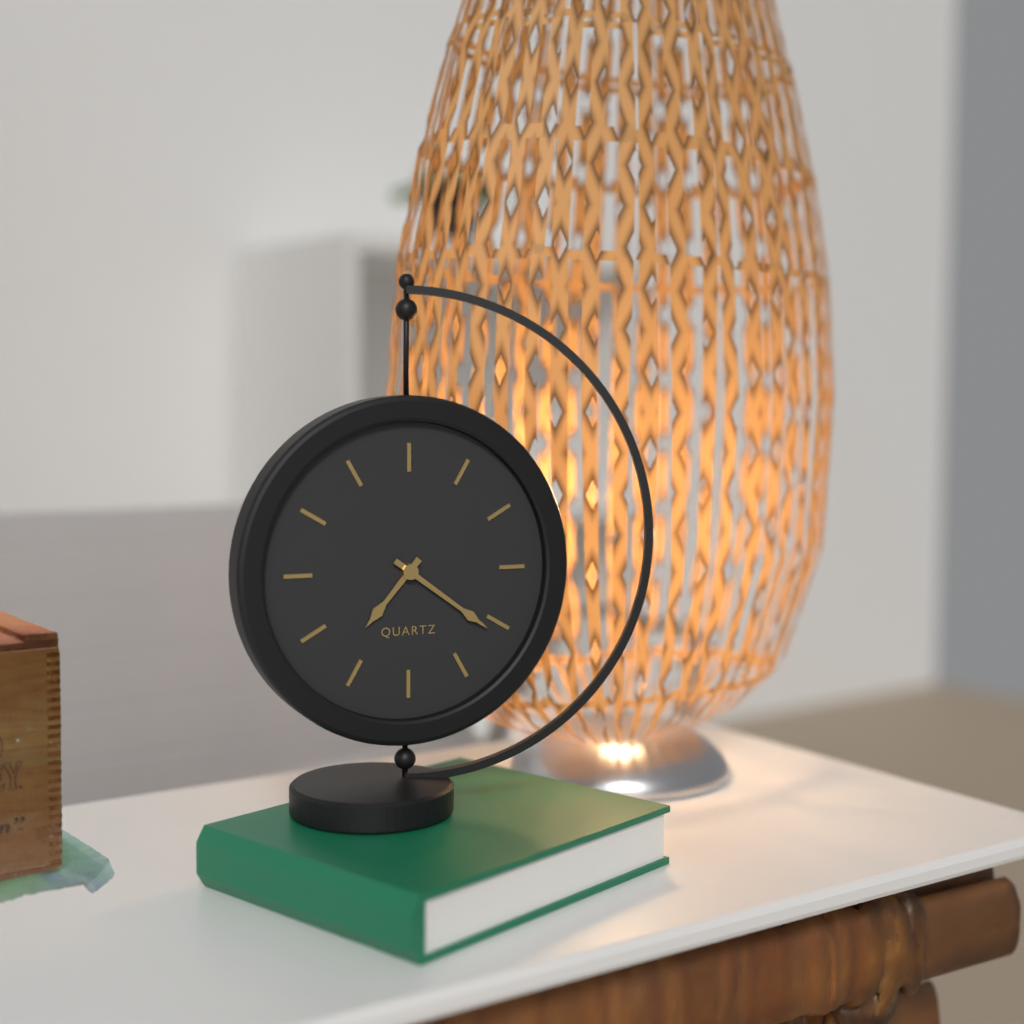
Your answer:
**7:21**
